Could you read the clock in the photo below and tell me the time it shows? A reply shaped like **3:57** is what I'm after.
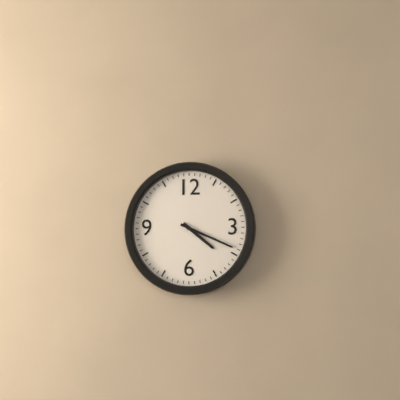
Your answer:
**4:19**
